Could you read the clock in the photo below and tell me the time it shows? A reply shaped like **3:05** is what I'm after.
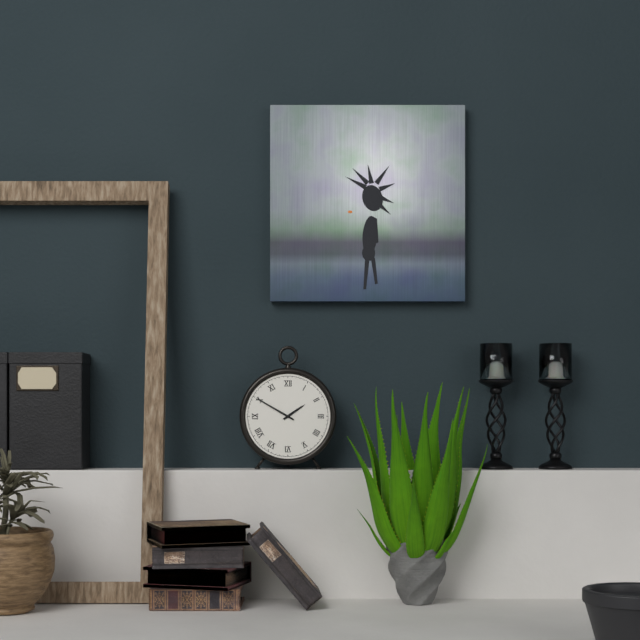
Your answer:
**1:50**
